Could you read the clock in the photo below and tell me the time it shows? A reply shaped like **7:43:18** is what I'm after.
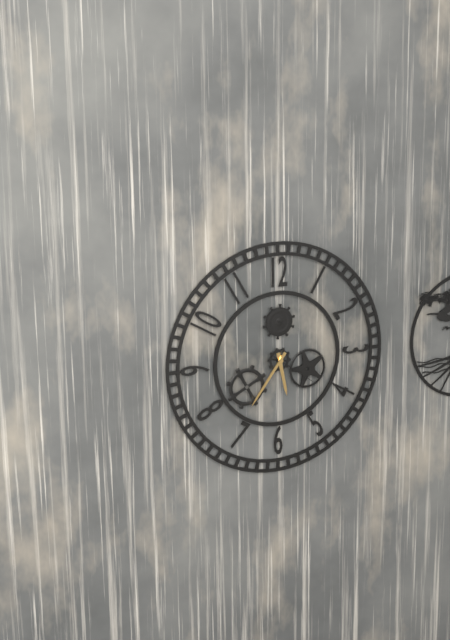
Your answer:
**5:36:21**
